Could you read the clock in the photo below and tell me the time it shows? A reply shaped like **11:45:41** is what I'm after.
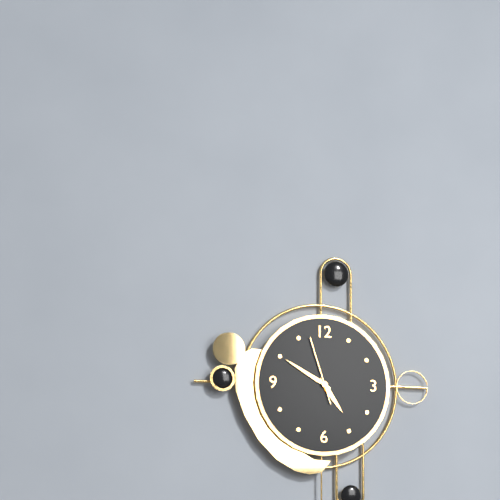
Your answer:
**4:50:57**
